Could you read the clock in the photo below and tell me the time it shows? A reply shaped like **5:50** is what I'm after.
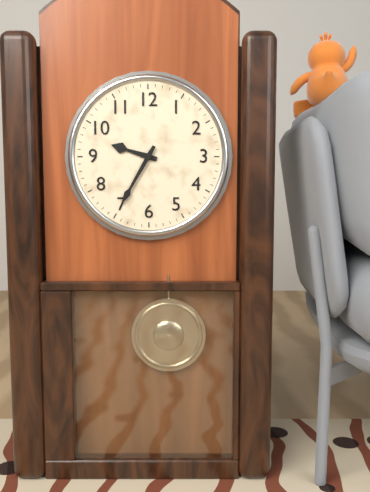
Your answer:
**9:35**
